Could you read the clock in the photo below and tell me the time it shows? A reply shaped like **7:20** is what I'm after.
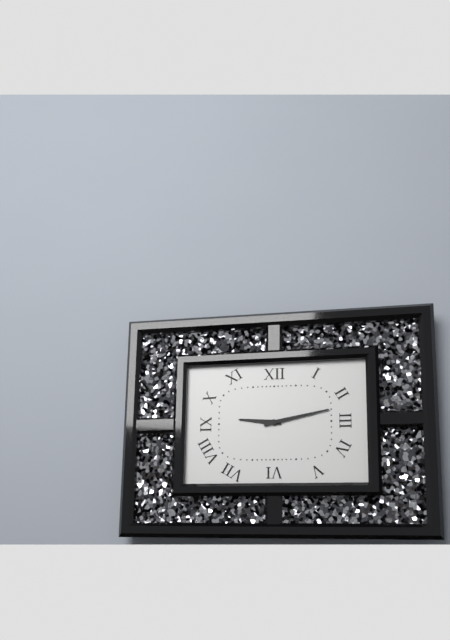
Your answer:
**9:13**
